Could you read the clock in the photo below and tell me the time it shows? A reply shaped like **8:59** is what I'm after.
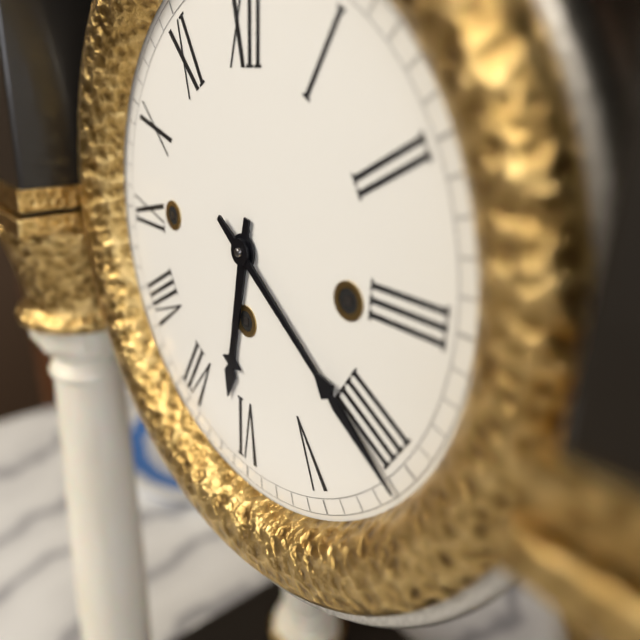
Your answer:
**6:21**
